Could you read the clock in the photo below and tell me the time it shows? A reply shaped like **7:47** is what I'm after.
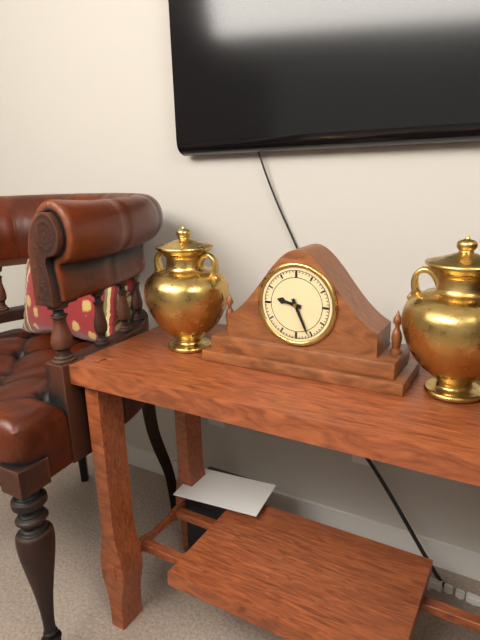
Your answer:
**9:26**
